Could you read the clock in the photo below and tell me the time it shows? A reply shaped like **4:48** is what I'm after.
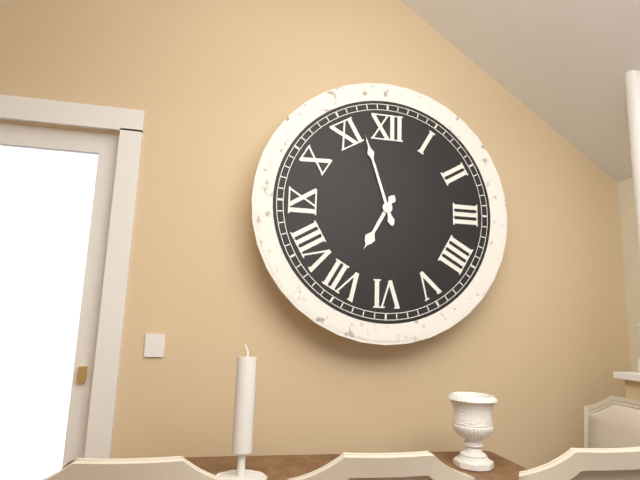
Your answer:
**6:57**
